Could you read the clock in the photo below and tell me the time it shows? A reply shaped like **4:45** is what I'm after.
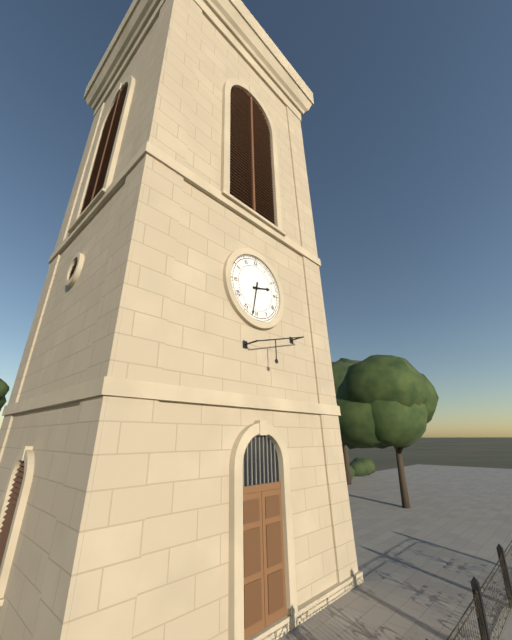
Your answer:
**2:32**
